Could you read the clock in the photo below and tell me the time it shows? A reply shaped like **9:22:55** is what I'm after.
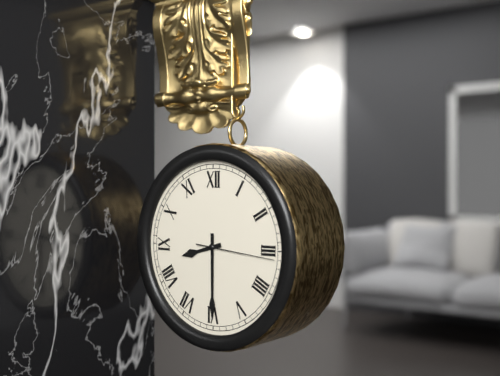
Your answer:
**8:30:16**
